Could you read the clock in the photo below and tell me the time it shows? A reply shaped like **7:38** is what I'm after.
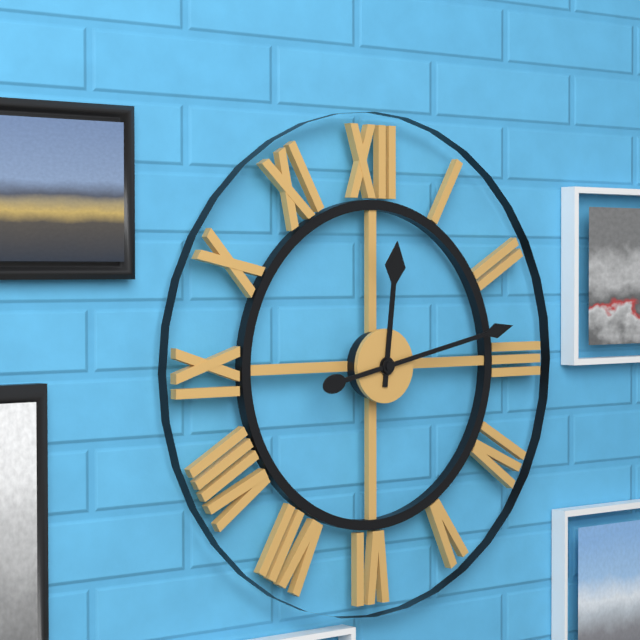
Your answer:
**12:13**
